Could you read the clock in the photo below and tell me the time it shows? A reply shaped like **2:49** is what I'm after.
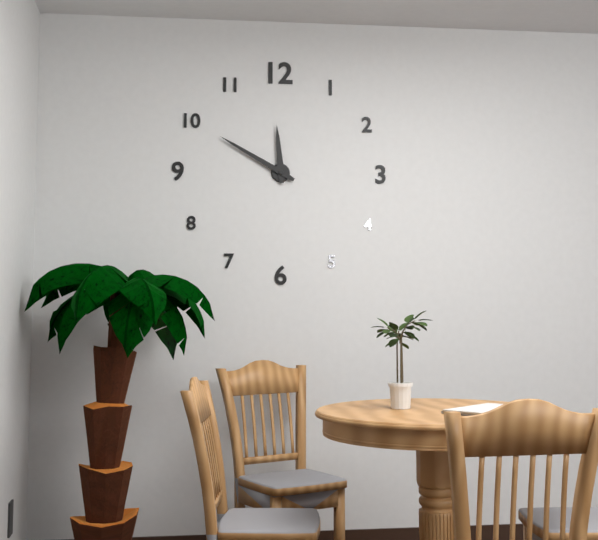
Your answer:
**11:50**
